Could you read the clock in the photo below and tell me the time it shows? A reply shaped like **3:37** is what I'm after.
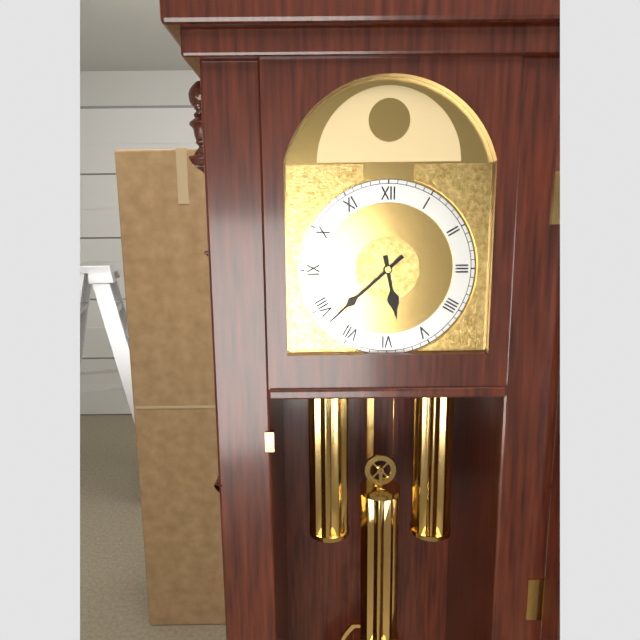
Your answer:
**5:38**
